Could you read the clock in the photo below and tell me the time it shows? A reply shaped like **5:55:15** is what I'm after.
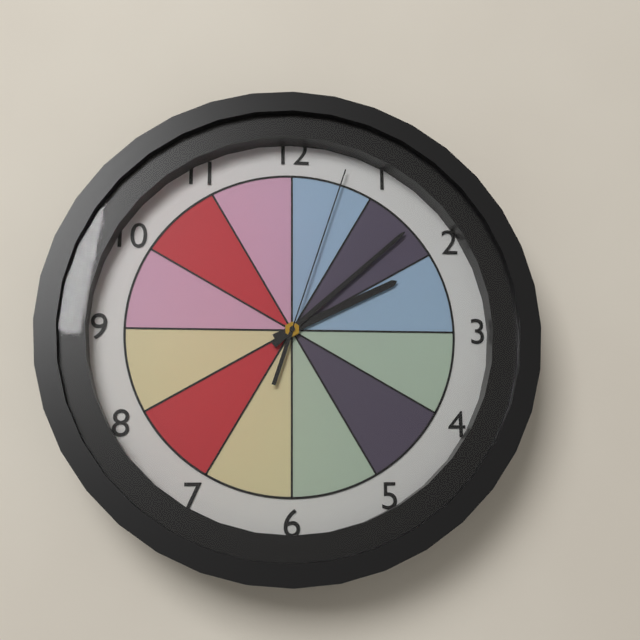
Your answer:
**2:08:03**
